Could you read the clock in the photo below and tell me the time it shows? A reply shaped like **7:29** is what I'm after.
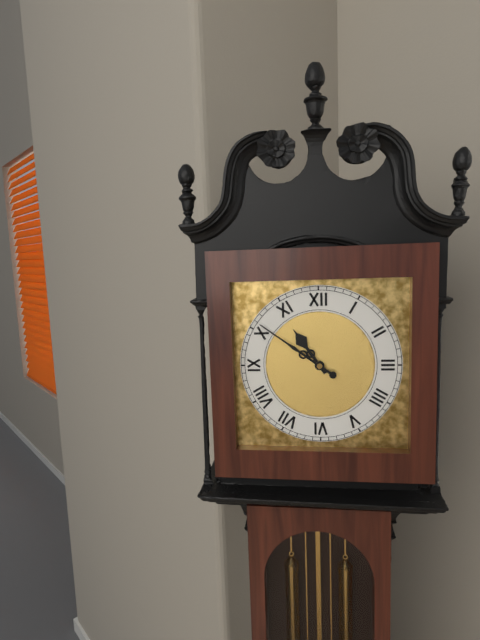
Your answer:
**10:51**
